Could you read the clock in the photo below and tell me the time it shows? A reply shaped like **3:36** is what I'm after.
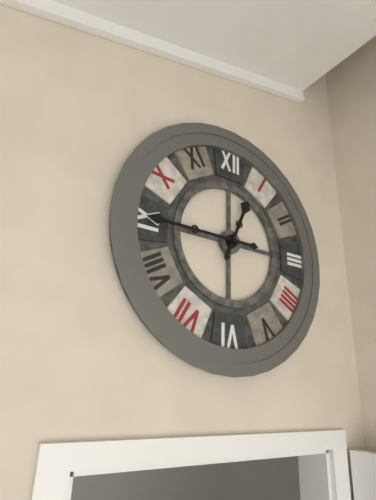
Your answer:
**12:45**
